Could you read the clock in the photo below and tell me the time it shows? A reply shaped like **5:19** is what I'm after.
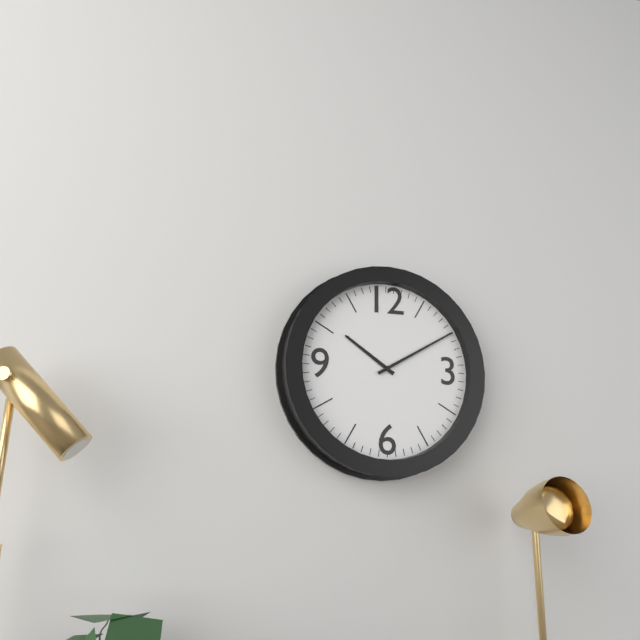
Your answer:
**10:10**
